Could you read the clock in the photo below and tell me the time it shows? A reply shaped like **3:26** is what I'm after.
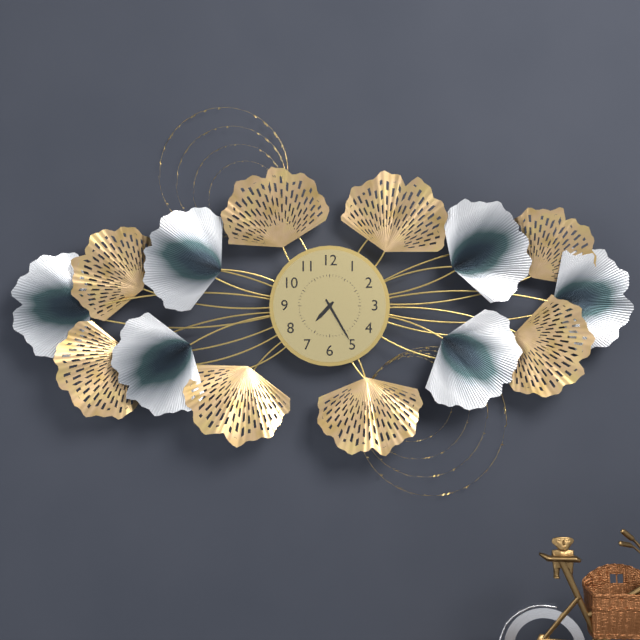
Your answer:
**7:25**
